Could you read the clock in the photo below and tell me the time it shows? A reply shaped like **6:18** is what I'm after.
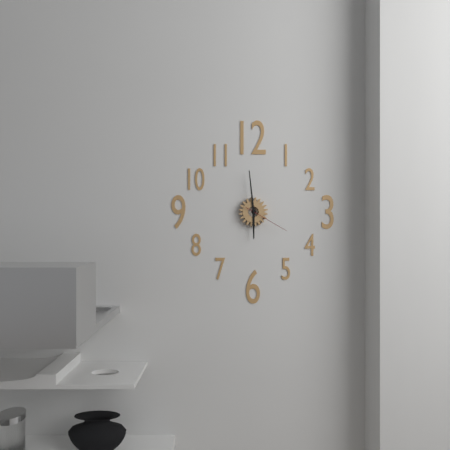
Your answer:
**5:59**
